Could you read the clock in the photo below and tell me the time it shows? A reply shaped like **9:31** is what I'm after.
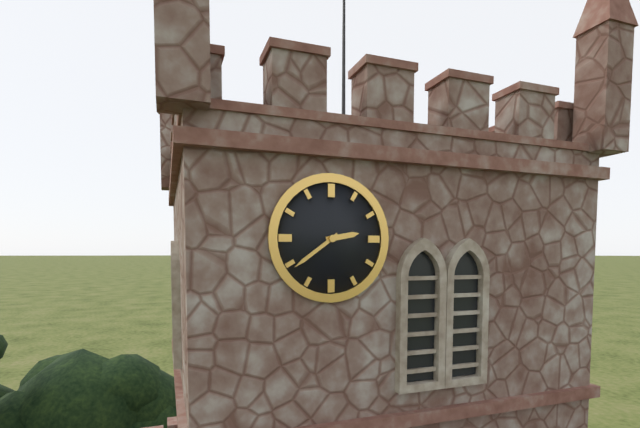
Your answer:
**2:39**
